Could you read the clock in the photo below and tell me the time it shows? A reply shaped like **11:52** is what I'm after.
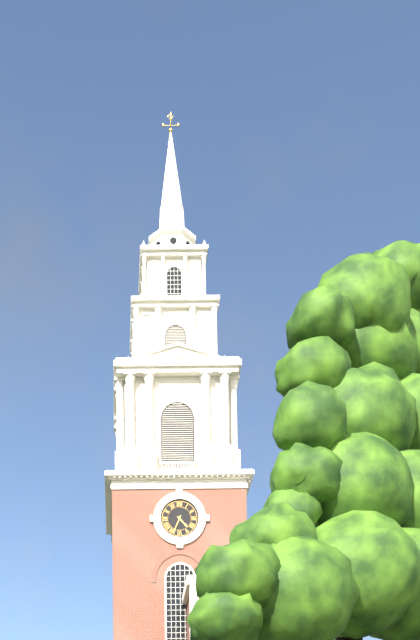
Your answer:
**4:34**
